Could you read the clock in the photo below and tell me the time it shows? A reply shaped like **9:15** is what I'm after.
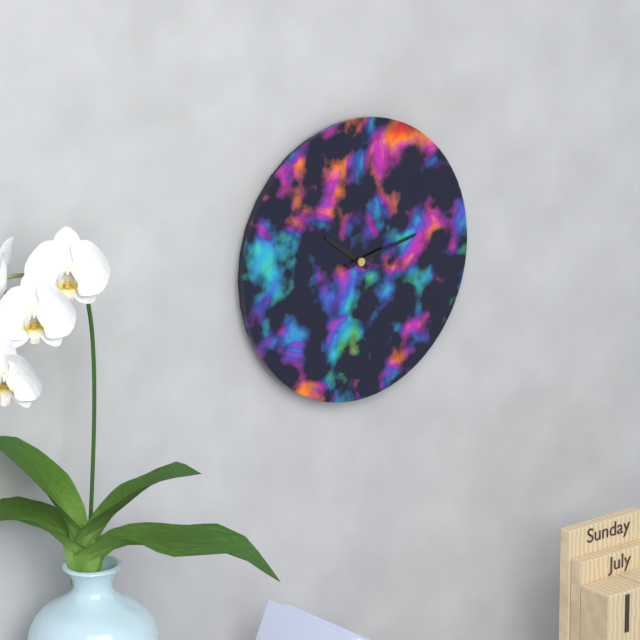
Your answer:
**10:13**
